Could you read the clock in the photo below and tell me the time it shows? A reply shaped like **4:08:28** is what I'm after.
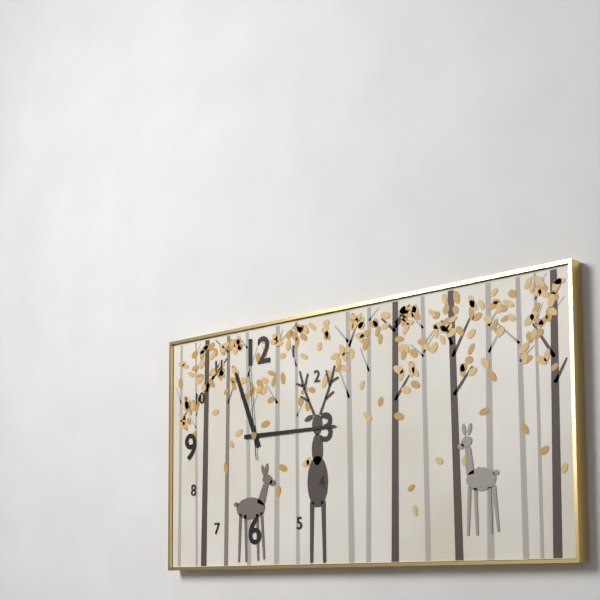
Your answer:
**11:15:59**
